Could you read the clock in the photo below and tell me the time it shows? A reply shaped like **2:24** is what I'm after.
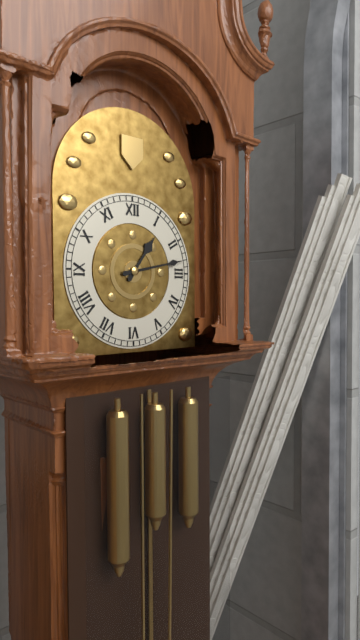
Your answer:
**1:13**
